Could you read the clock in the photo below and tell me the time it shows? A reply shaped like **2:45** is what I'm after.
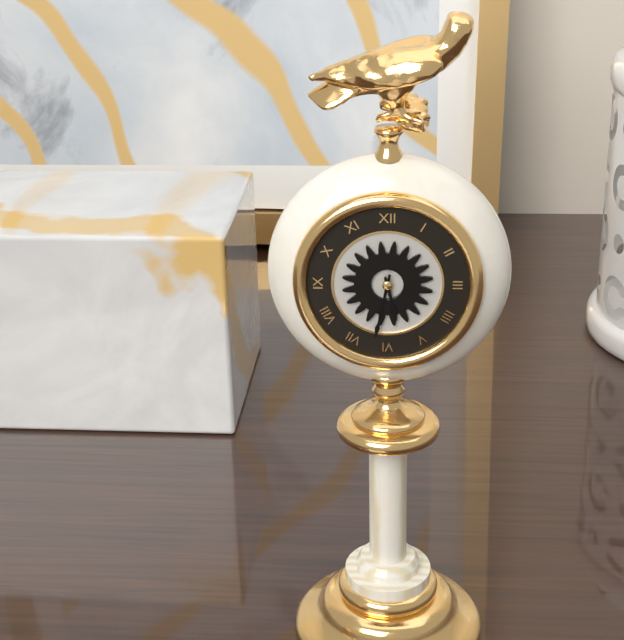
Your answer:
**5:32**
